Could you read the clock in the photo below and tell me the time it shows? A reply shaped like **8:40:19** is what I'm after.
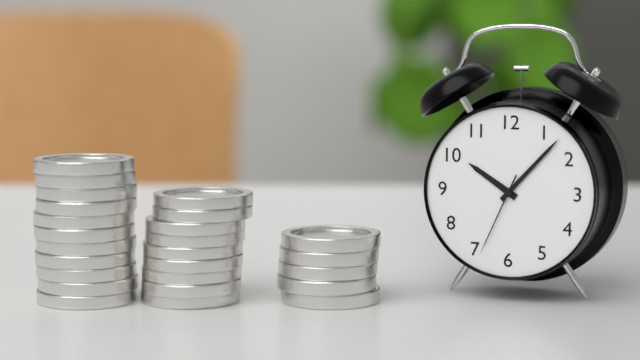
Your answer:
**10:07:34**
